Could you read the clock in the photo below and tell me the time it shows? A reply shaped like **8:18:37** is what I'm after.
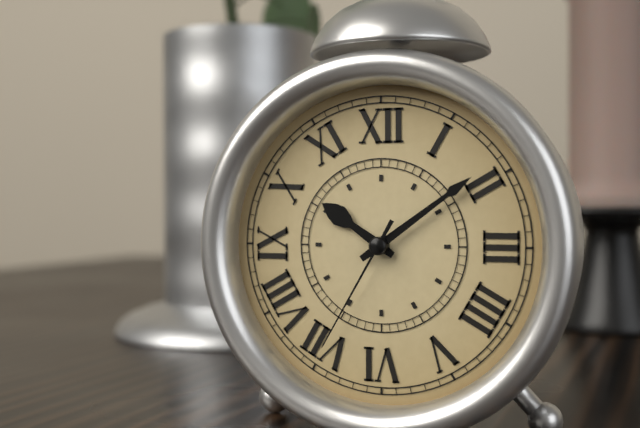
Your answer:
**10:09:35**
